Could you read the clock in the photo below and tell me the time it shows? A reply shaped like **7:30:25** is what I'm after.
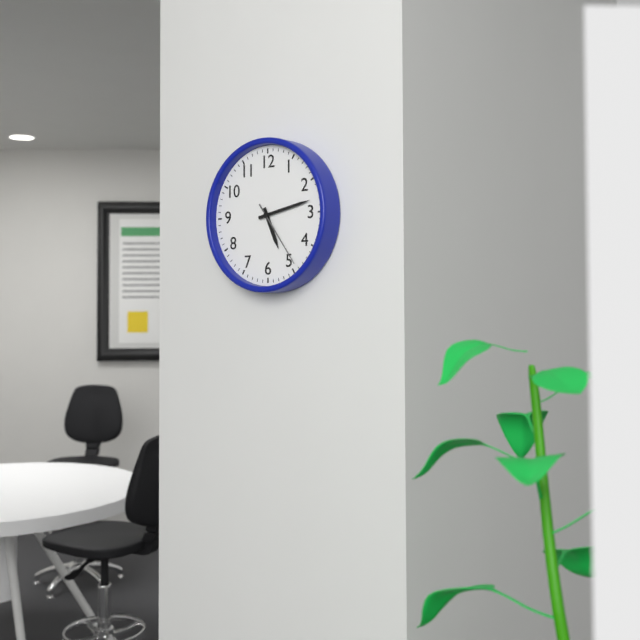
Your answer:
**5:13:24**
